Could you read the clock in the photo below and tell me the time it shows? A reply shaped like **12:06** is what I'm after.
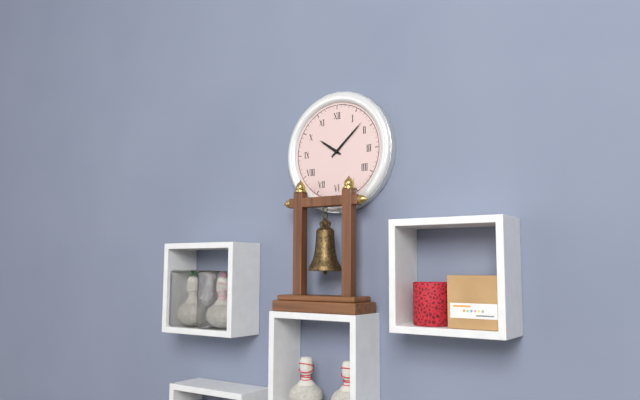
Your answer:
**10:08**
